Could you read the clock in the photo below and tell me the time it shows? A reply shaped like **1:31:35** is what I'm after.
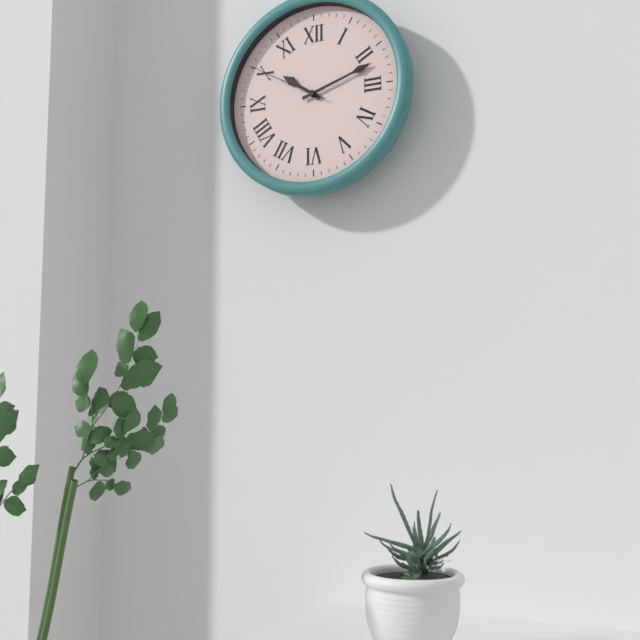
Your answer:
**10:12:50**
